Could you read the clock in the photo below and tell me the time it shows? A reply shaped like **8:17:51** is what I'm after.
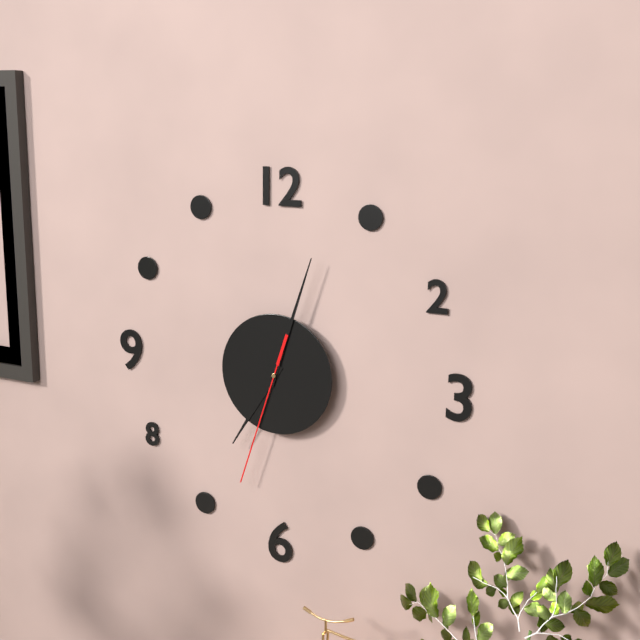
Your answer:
**7:03:33**
